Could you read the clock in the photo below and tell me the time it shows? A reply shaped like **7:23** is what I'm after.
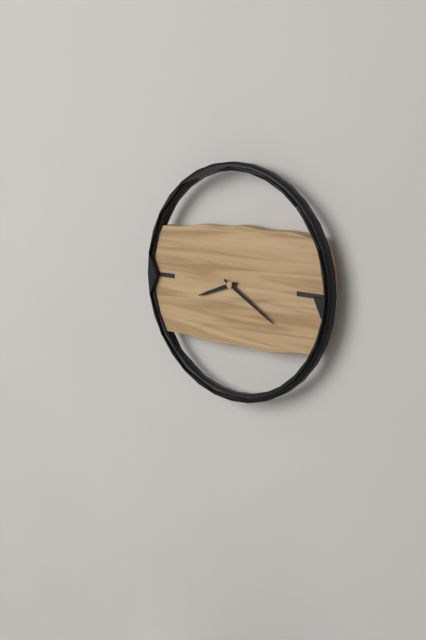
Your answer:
**8:20**
